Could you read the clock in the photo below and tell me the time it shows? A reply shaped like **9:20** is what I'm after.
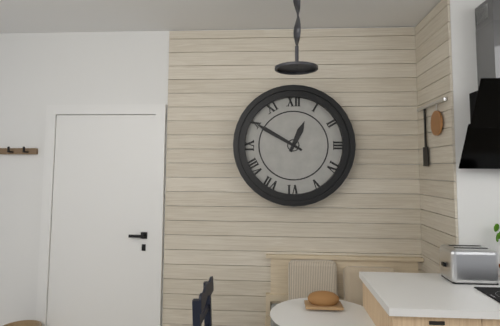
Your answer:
**12:50**
